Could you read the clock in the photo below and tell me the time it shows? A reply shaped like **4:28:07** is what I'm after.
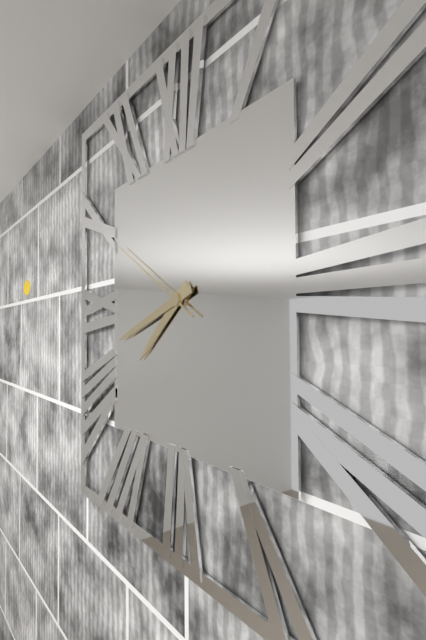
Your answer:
**7:42:50**
